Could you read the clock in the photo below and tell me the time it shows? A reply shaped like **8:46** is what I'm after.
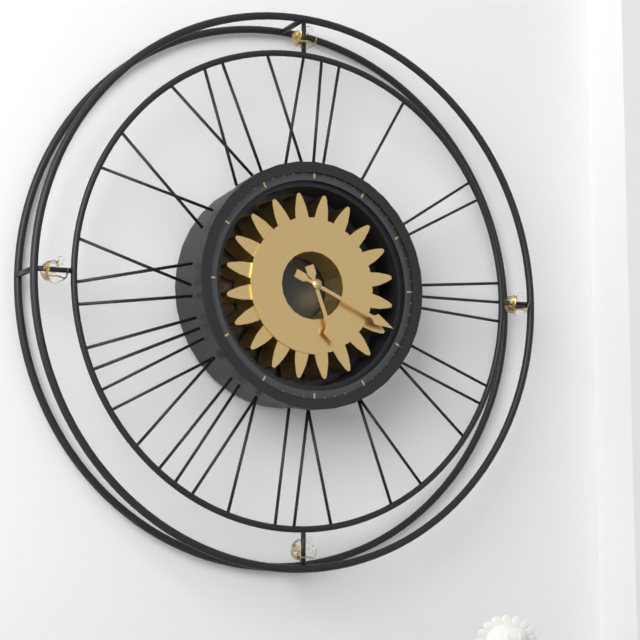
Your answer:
**5:19**
